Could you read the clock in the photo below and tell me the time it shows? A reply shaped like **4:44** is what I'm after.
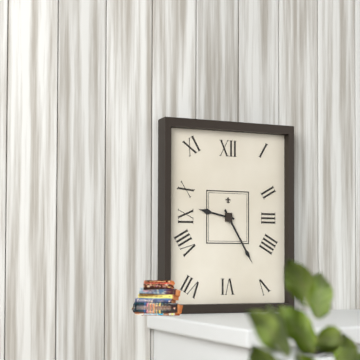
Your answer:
**9:25**
